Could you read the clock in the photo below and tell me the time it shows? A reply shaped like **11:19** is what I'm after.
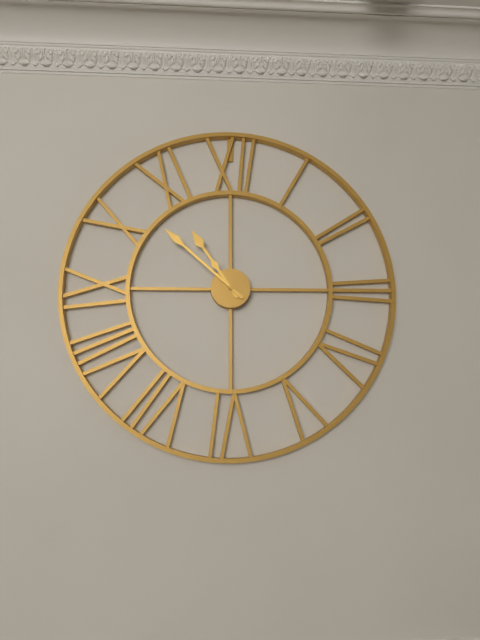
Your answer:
**10:52**
